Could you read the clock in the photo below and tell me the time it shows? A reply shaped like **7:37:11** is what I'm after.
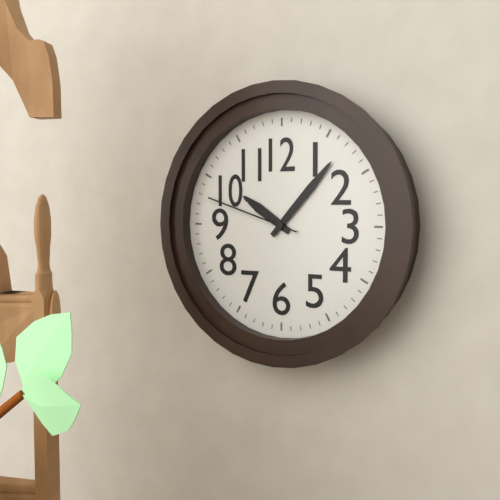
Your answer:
**10:07:48**
